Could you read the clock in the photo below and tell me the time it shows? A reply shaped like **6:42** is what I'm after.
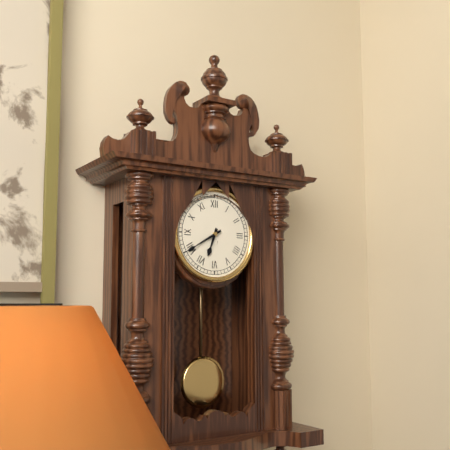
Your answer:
**6:40**
